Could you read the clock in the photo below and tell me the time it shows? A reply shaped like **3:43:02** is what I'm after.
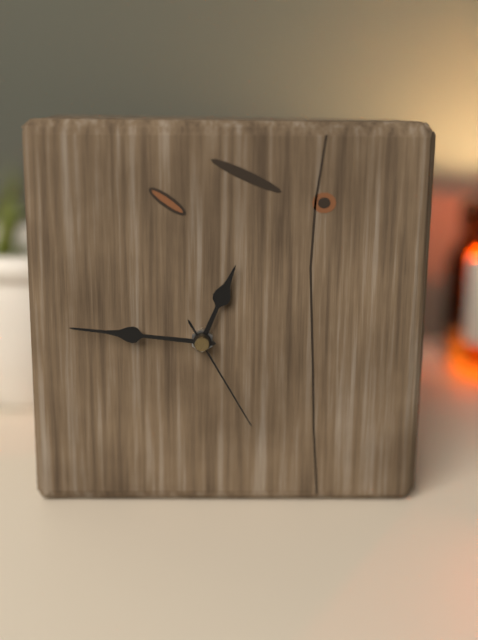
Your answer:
**12:46:25**
